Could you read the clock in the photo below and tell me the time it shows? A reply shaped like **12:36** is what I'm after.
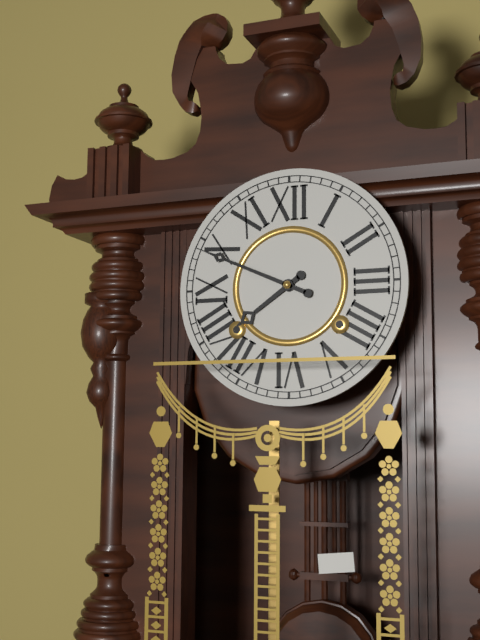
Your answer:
**7:49**
